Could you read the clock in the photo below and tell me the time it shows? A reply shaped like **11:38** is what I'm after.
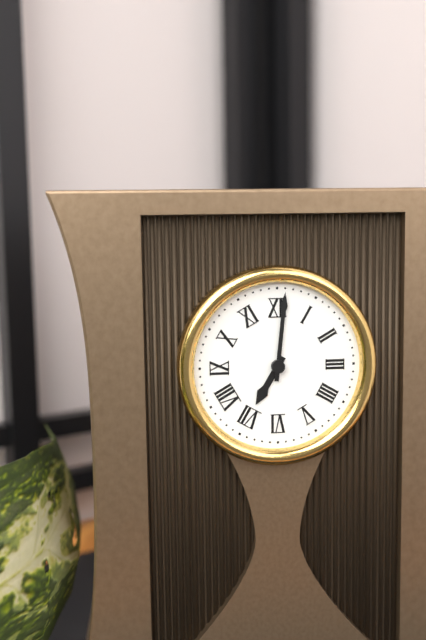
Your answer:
**7:01**
